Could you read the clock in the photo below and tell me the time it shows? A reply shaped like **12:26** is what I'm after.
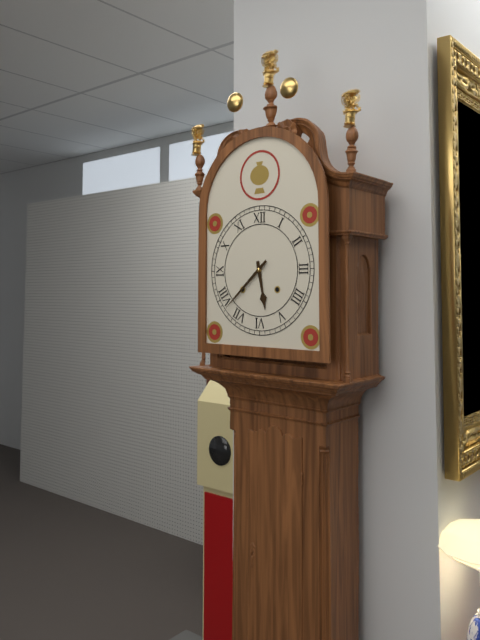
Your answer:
**5:38**
